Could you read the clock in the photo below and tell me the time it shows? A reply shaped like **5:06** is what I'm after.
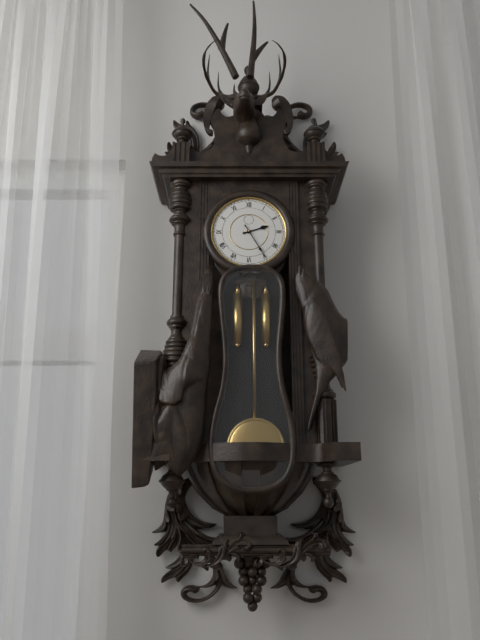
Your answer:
**2:25**
